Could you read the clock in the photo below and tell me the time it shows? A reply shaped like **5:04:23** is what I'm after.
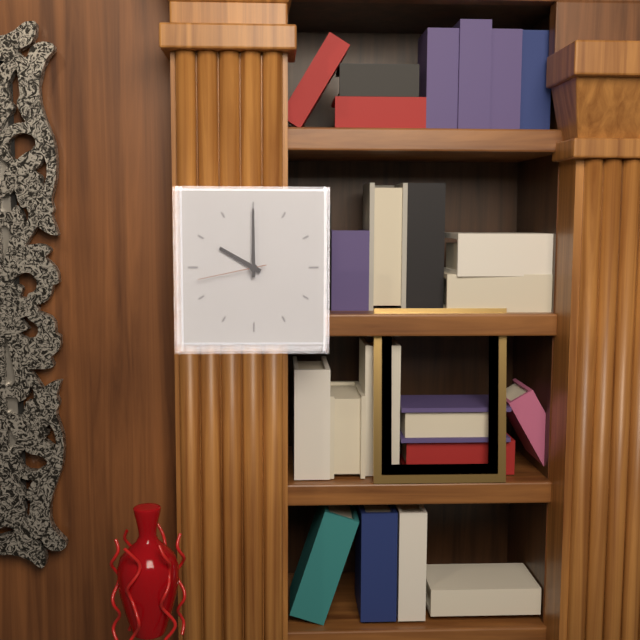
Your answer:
**10:00:43**
